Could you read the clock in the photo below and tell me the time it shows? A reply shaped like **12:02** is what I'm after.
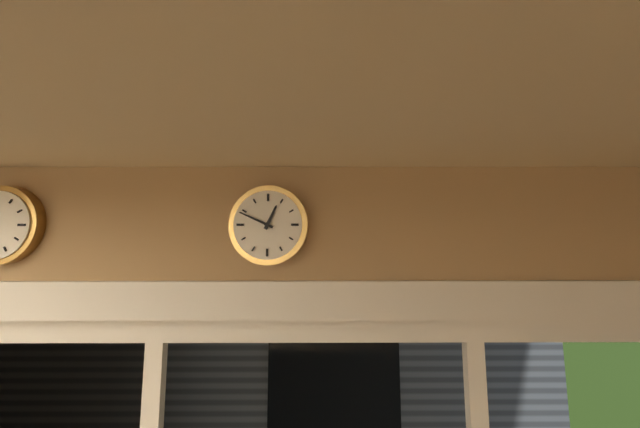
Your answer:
**12:49**
